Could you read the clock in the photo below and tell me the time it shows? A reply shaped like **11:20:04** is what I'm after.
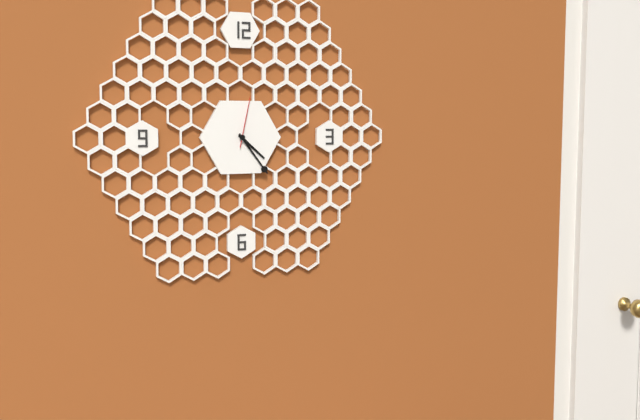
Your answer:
**4:24:02**
